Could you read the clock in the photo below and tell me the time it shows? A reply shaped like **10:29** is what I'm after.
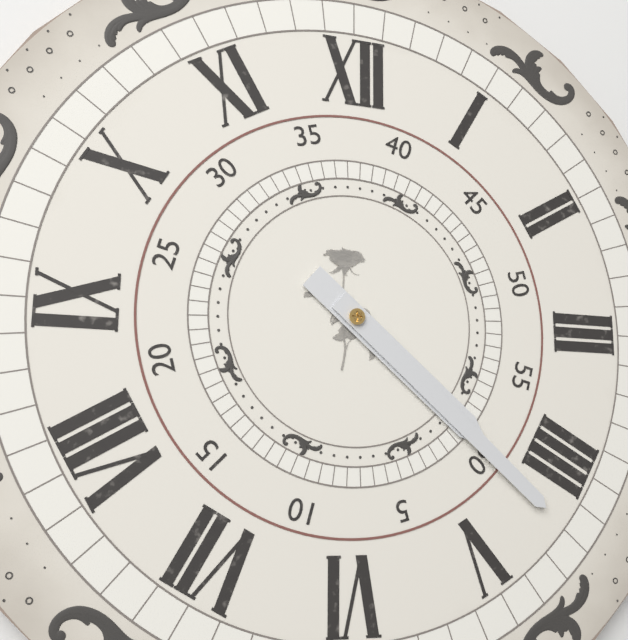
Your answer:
**4:22**
